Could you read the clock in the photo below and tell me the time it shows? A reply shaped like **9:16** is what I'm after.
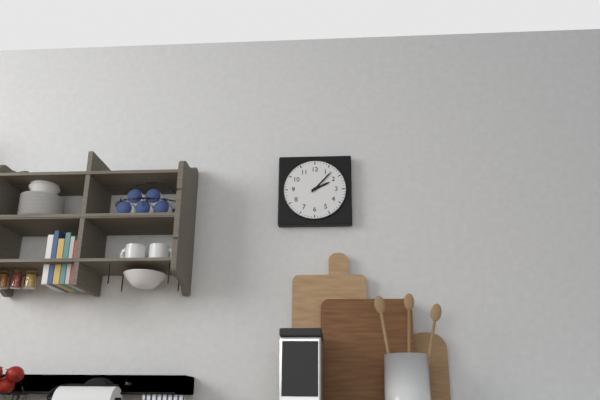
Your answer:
**2:07**
